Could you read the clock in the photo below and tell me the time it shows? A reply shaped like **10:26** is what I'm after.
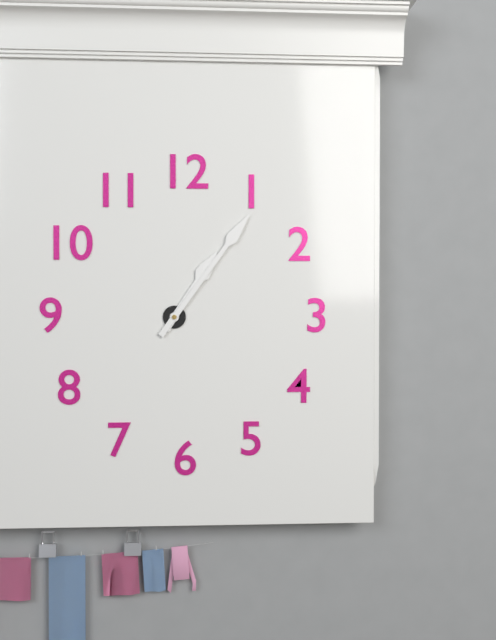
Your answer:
**1:06**
